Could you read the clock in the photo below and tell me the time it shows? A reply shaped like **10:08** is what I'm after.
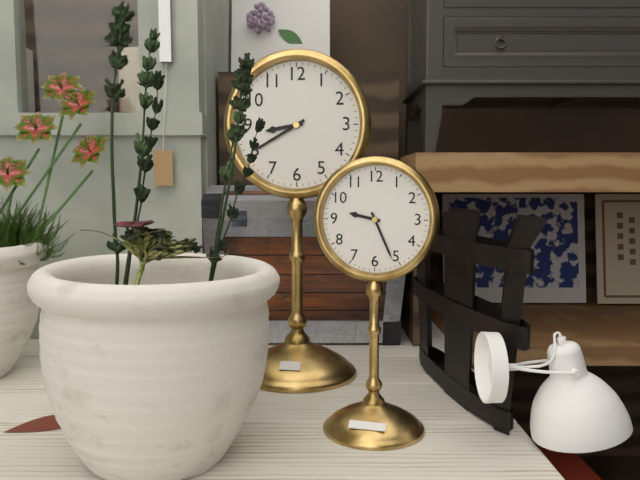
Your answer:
**8:40**
